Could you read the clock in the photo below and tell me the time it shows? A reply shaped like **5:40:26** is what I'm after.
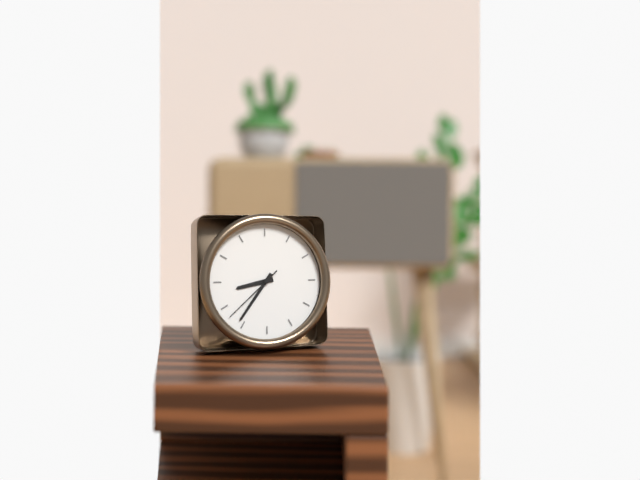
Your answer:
**8:36:38**
